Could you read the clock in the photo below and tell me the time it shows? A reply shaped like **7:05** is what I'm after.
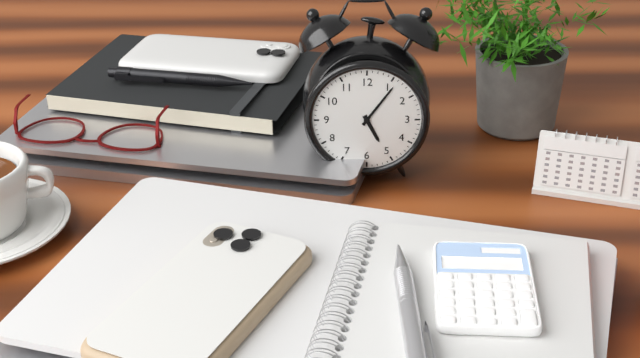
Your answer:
**5:06**
